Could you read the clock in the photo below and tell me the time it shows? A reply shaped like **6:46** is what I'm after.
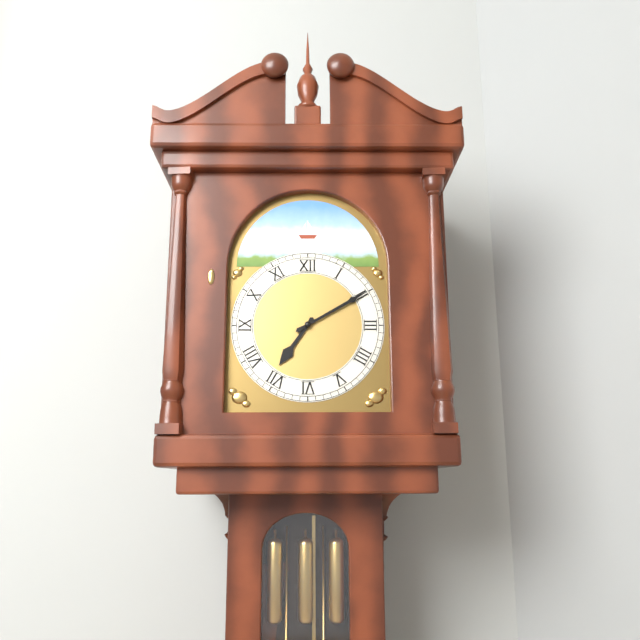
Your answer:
**7:10**
